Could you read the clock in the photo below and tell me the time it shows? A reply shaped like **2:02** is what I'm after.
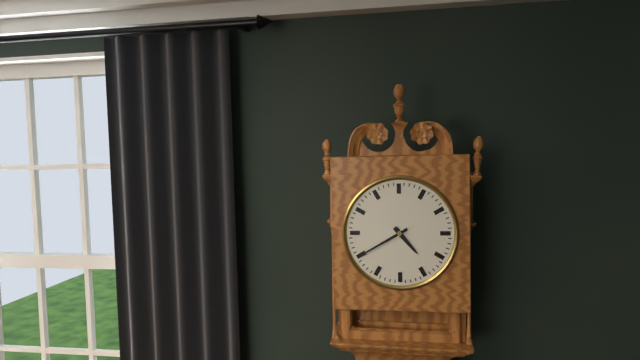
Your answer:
**4:40**
